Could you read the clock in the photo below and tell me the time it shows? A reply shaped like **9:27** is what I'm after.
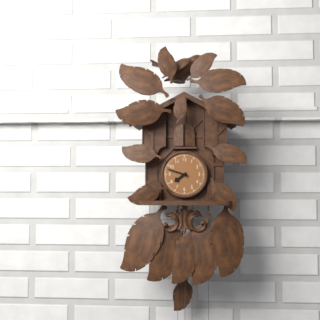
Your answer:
**7:48**
